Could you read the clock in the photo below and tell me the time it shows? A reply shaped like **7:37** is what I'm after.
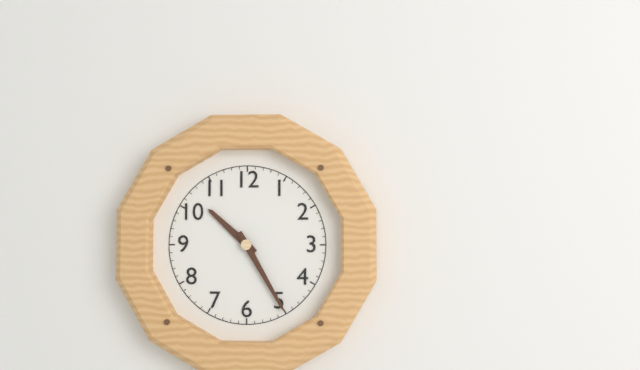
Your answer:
**10:25**
